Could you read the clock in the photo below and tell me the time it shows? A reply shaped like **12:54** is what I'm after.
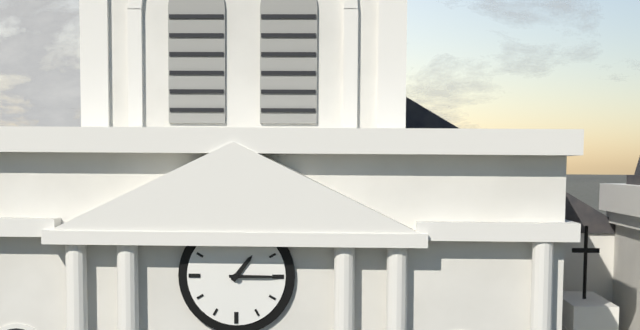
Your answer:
**1:15**
